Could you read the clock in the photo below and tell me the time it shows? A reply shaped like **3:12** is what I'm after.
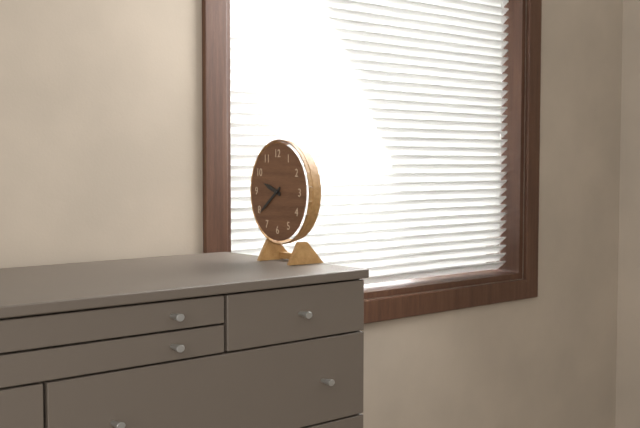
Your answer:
**9:39**
